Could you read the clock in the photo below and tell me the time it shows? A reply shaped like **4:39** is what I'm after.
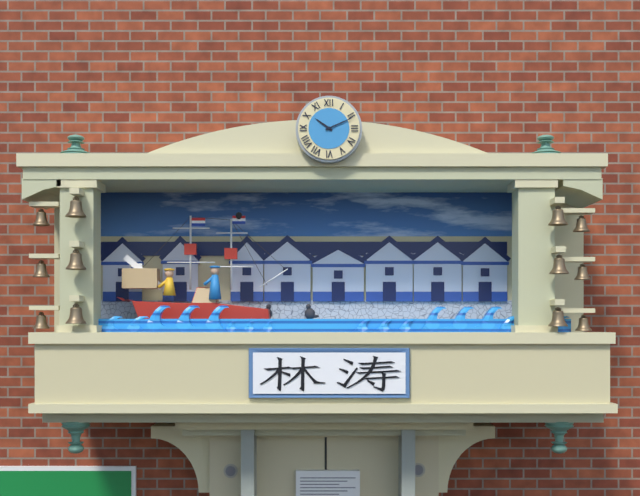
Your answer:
**10:11**
